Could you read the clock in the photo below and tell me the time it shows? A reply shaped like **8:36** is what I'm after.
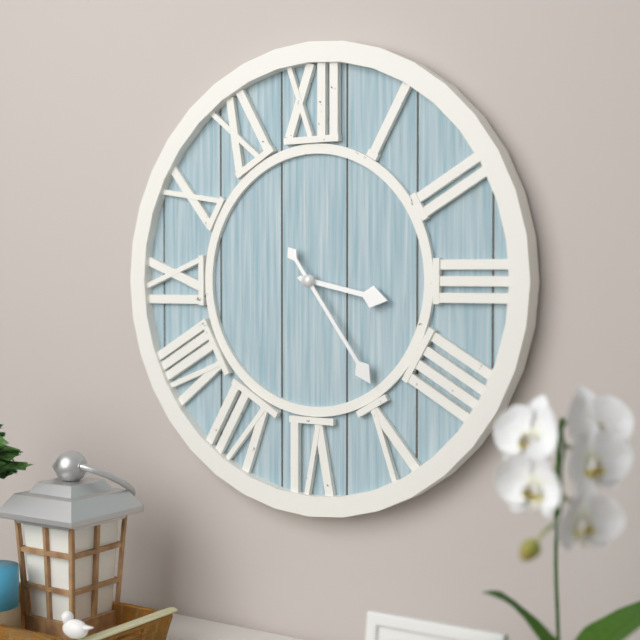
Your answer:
**3:24**
